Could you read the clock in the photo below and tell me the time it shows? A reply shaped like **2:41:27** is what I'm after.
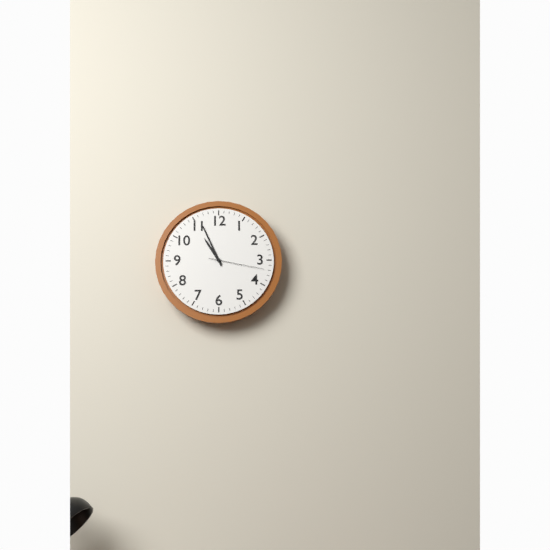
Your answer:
**10:56:17**
